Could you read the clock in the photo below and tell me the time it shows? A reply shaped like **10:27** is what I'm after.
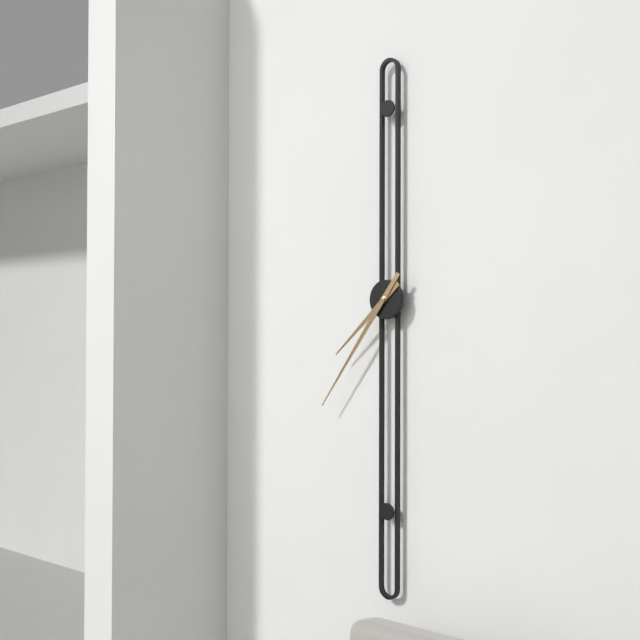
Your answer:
**7:36**
